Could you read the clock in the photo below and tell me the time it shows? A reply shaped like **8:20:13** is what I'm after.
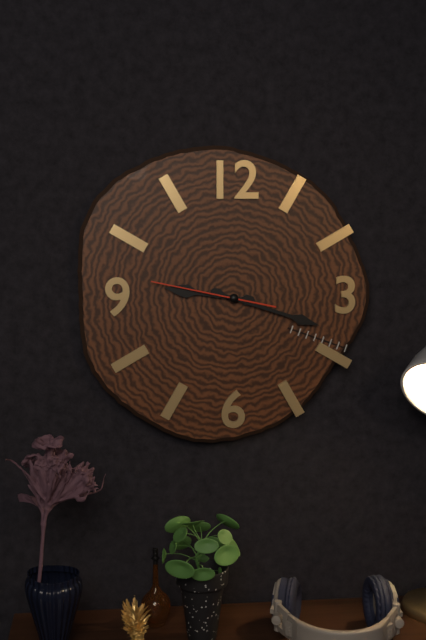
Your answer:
**9:18:47**
